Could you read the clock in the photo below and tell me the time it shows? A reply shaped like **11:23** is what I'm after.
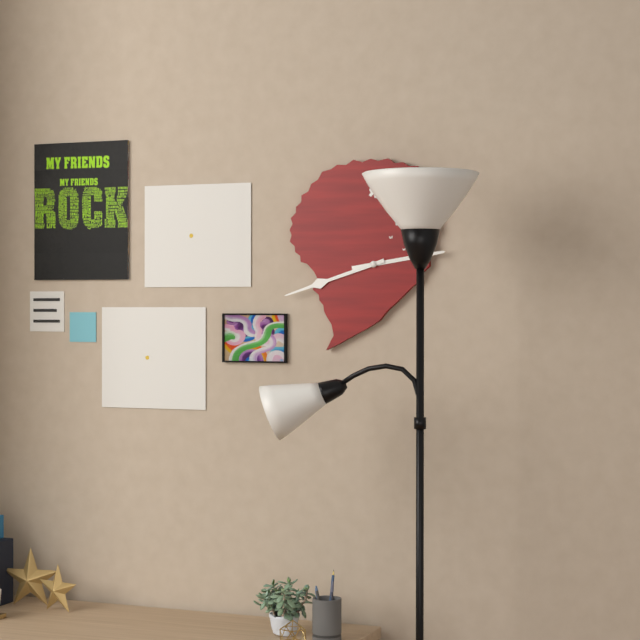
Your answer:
**2:42**
